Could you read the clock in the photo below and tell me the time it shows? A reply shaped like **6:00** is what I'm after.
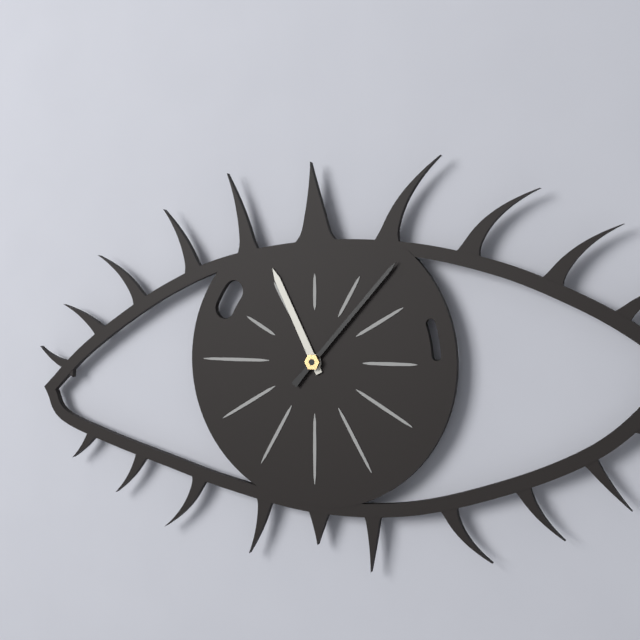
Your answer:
**11:07**
